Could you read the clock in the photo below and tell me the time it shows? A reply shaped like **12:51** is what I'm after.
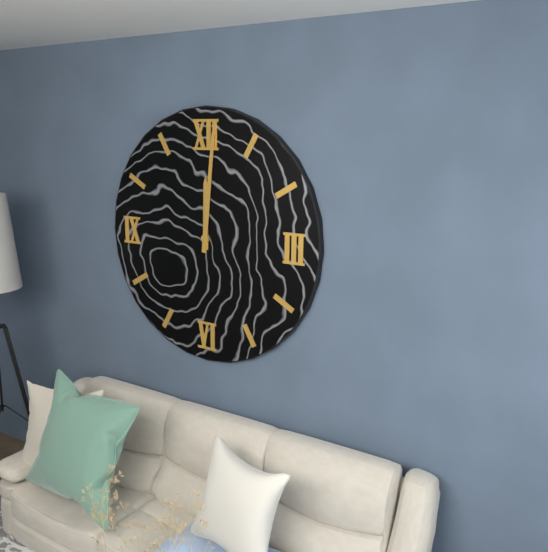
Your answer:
**12:01**
